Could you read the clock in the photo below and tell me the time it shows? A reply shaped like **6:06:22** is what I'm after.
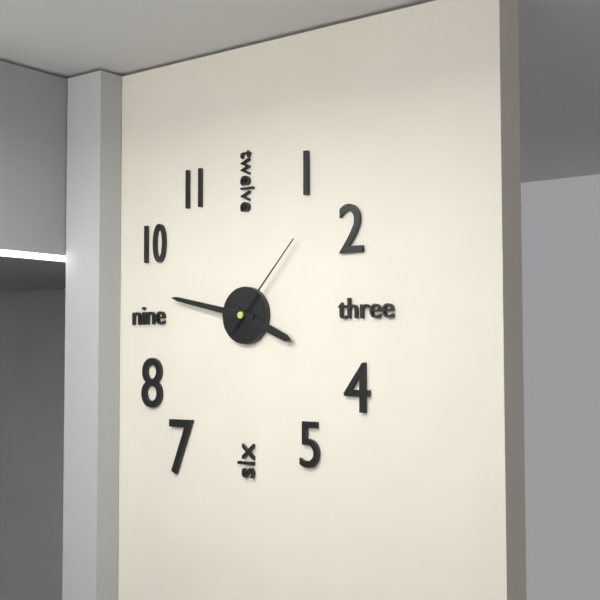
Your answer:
**3:47:07**
